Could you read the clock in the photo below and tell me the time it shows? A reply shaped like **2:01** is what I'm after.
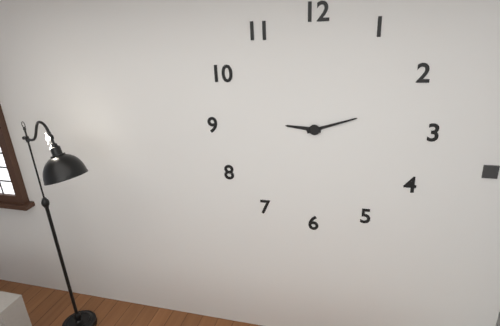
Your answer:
**9:12**
